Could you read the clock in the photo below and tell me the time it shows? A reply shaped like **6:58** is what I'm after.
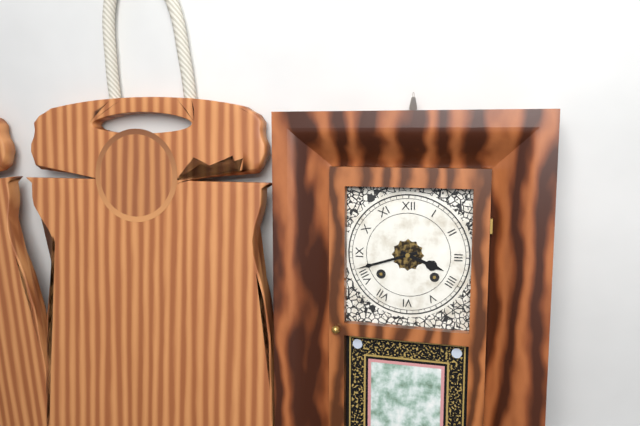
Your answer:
**3:42**
